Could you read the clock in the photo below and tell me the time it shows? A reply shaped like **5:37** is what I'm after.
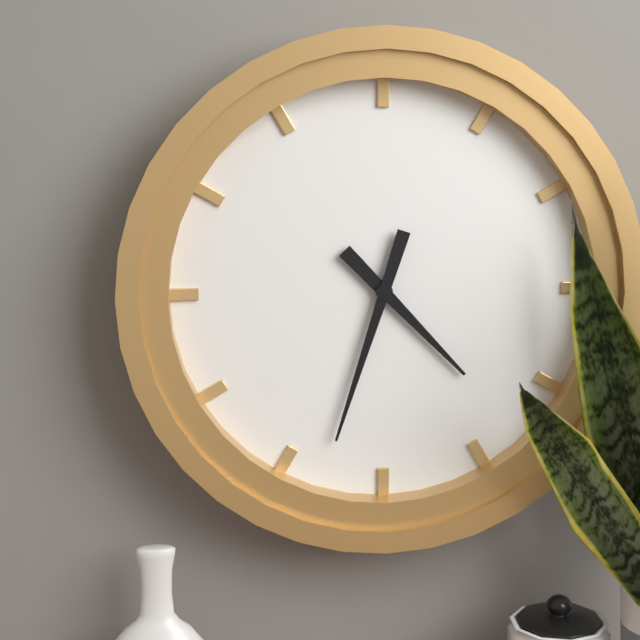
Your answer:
**4:33**
